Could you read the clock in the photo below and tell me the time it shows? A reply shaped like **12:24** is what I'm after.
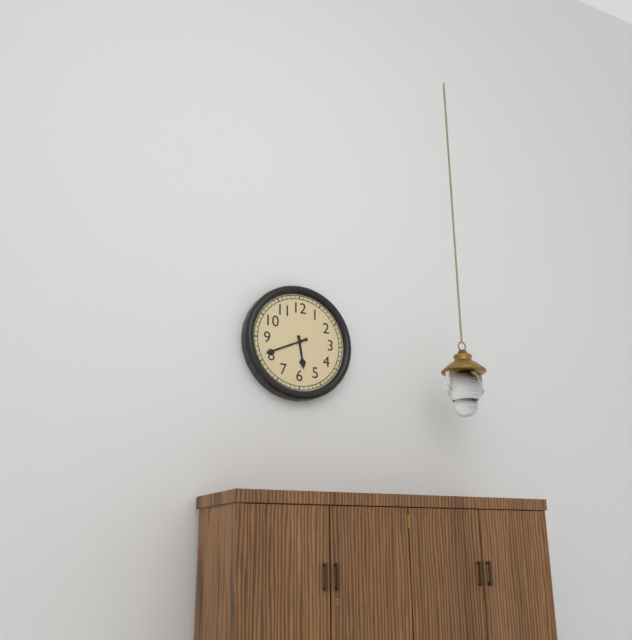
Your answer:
**5:41**
